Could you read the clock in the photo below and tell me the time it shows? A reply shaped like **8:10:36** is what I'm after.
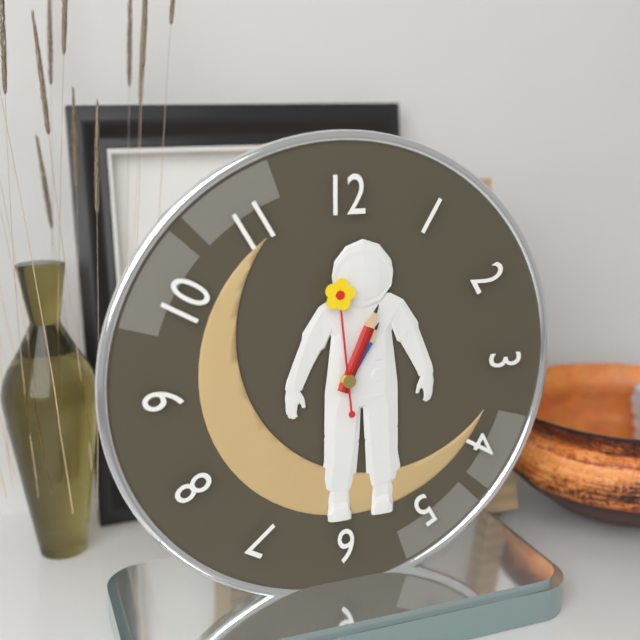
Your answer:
**1:04:59**
